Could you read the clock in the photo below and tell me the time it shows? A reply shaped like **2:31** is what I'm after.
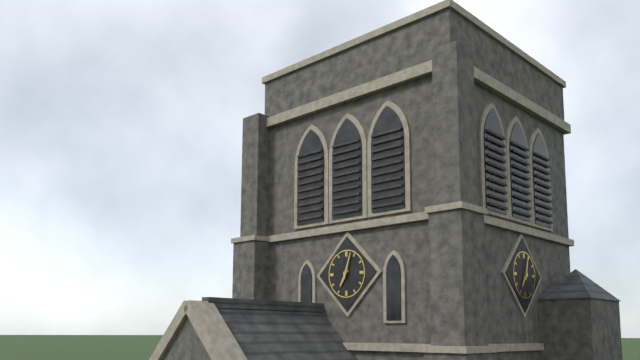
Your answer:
**7:03**
